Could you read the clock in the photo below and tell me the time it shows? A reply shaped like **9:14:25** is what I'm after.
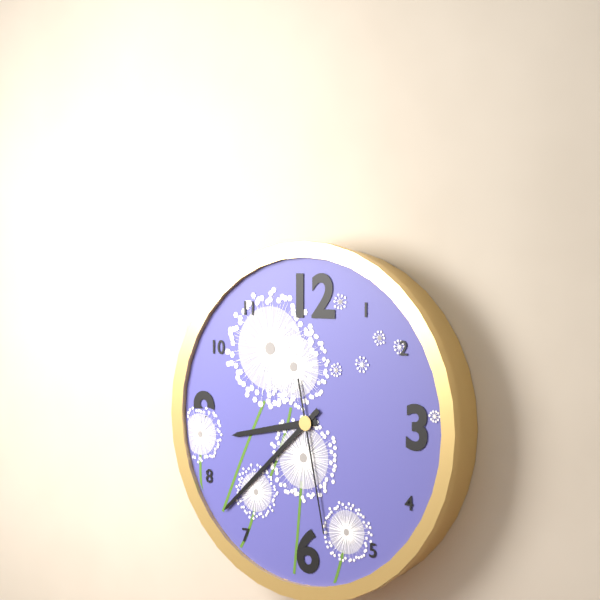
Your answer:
**8:38:28**
